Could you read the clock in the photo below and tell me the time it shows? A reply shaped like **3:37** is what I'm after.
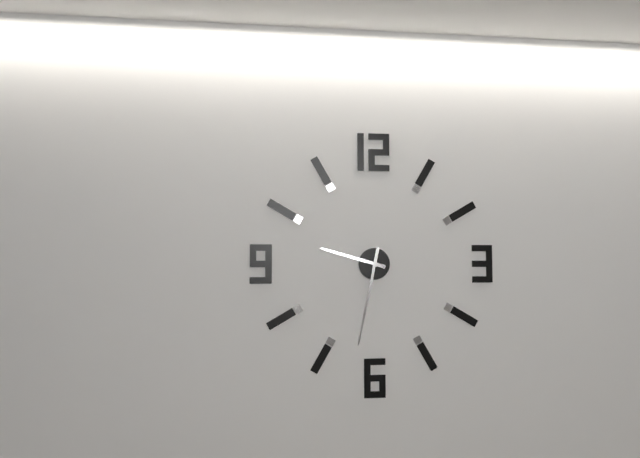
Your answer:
**9:32**
